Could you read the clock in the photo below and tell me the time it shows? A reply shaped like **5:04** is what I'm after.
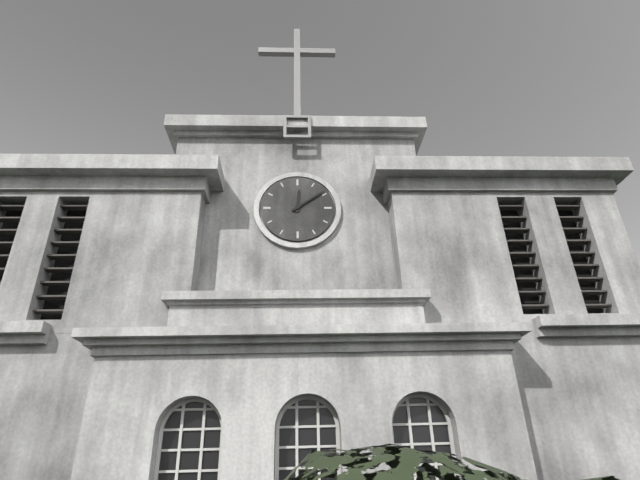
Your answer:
**12:09**
